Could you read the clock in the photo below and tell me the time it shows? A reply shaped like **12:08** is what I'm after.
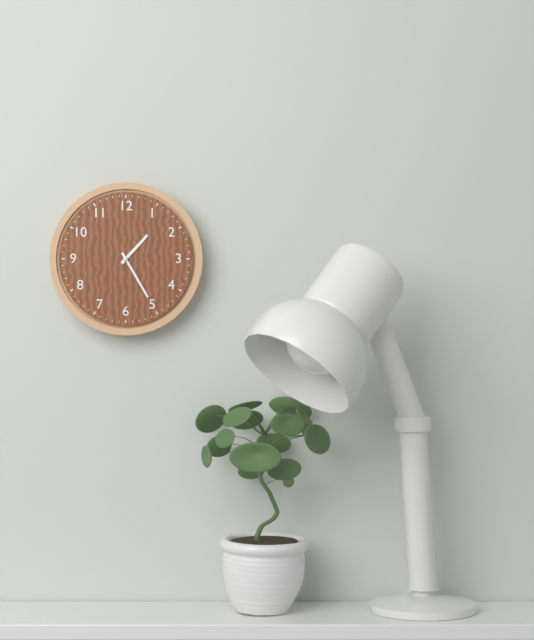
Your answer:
**1:25**
